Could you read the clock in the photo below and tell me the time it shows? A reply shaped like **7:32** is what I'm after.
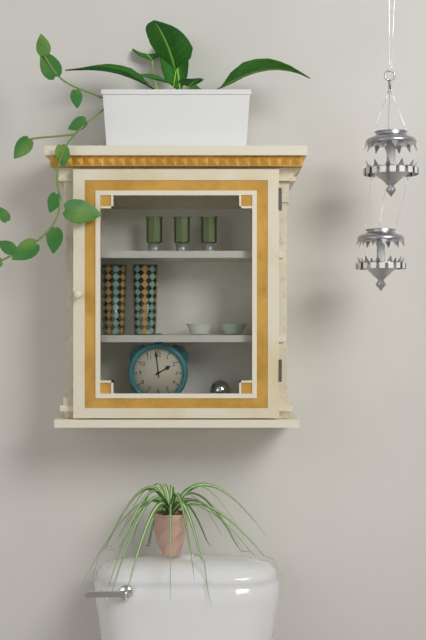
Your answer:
**1:59**
